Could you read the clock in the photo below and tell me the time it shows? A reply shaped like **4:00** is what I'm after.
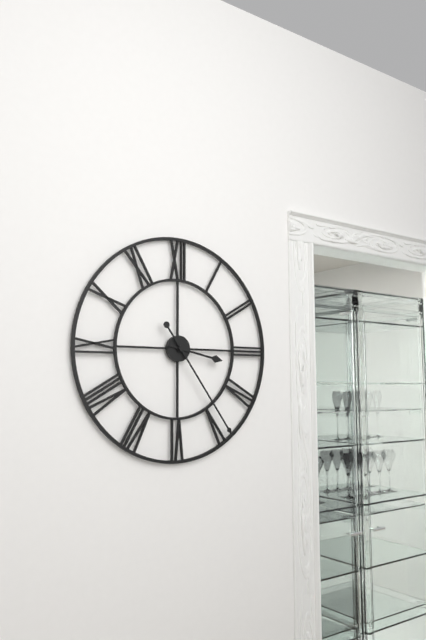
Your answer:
**3:24**
